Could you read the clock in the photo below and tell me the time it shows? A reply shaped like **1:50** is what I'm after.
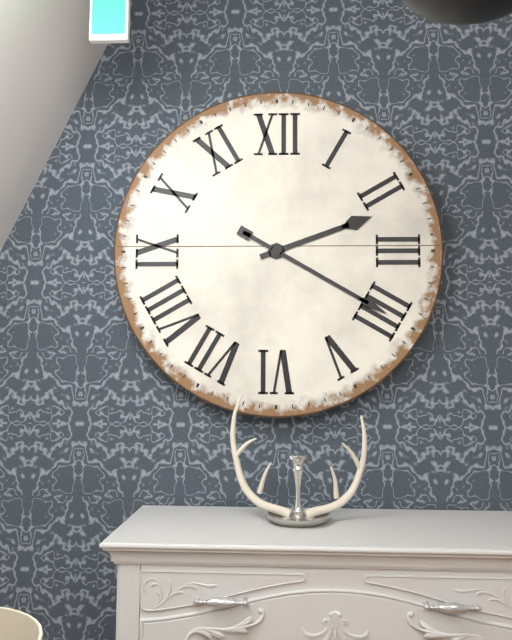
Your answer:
**2:20**
